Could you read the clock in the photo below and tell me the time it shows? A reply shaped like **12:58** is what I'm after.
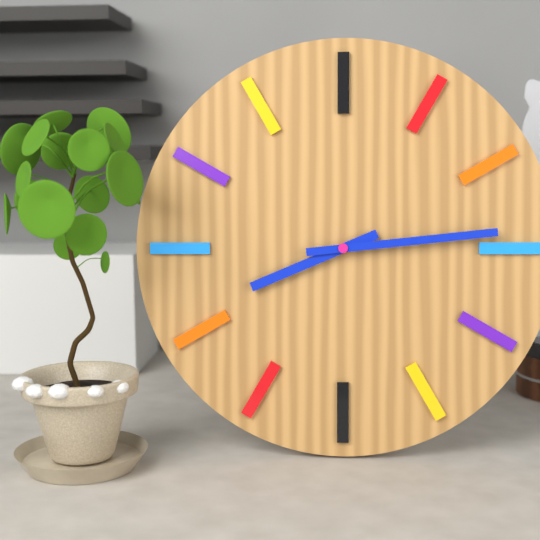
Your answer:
**8:14**
